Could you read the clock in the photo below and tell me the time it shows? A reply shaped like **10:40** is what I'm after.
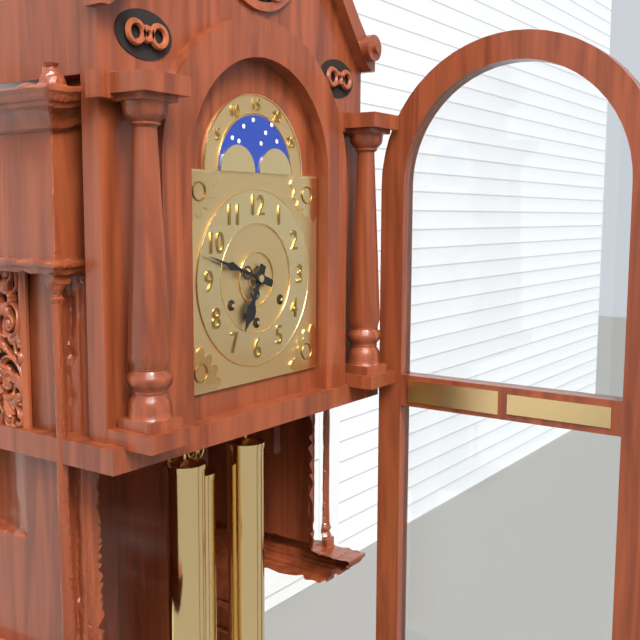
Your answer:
**6:48**
